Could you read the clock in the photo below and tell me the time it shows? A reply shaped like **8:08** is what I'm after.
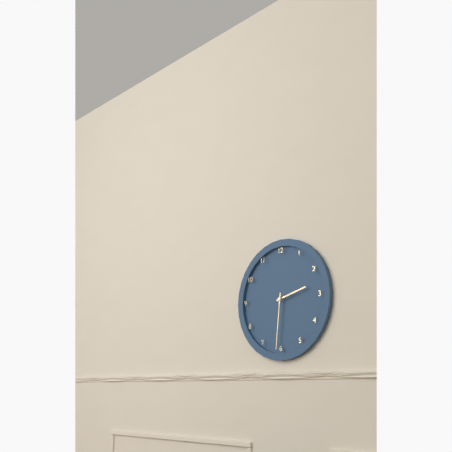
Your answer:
**2:31**
